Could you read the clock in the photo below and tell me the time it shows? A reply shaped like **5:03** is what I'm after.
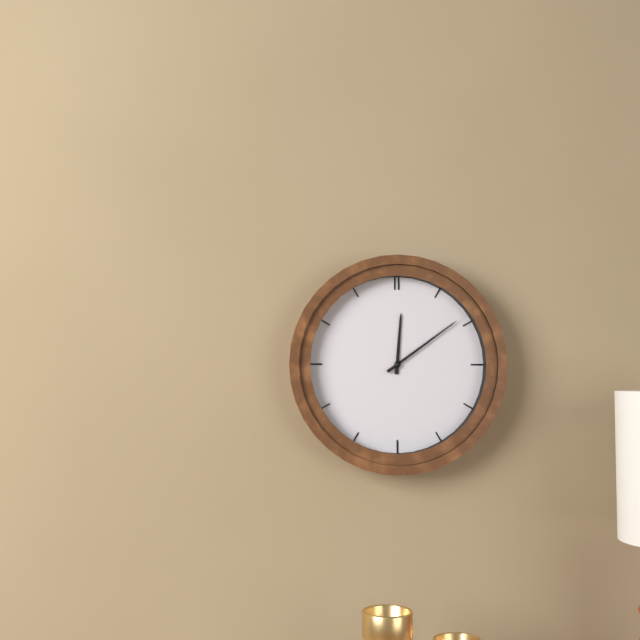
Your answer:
**12:09**
